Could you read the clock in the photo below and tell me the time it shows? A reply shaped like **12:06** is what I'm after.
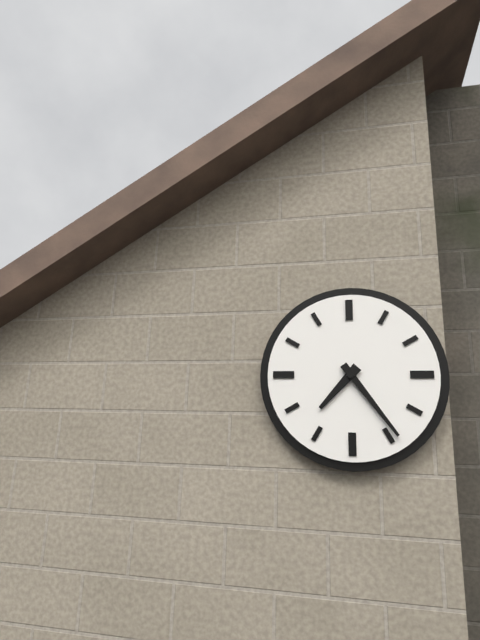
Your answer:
**7:24**
